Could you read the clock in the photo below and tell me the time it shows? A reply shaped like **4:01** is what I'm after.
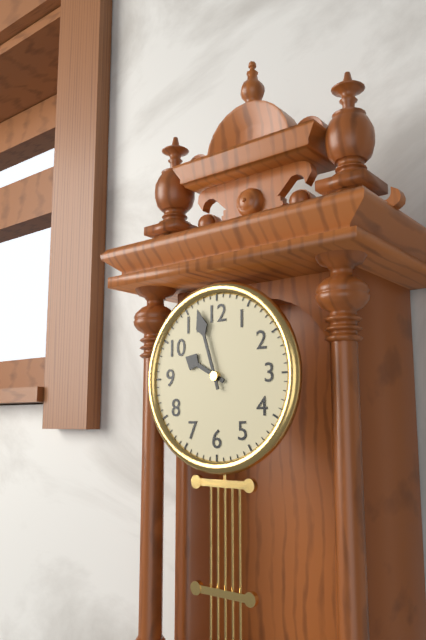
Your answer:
**9:57**
